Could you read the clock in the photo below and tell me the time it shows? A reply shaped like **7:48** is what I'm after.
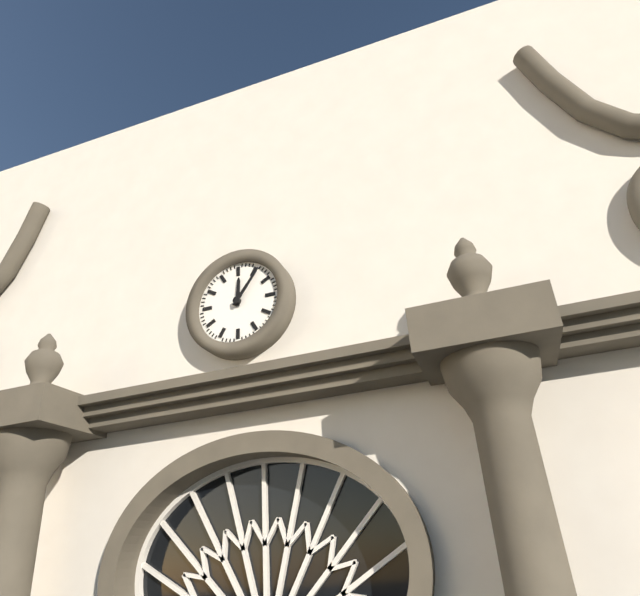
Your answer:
**12:06**
